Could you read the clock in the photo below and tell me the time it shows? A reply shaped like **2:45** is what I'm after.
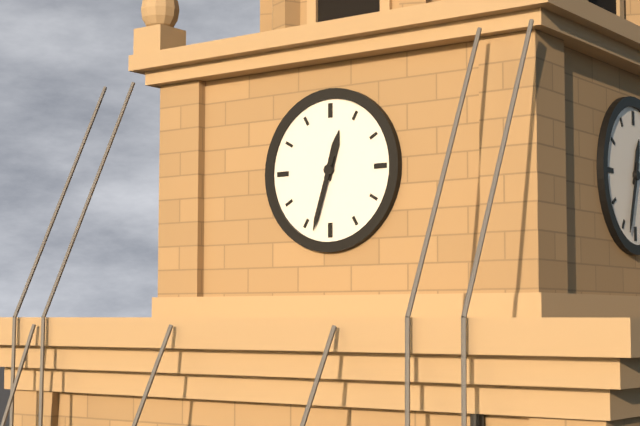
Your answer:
**12:33**
